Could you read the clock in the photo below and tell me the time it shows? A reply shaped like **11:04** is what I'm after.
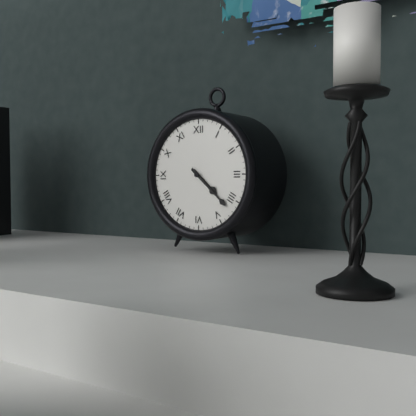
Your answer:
**4:22**
